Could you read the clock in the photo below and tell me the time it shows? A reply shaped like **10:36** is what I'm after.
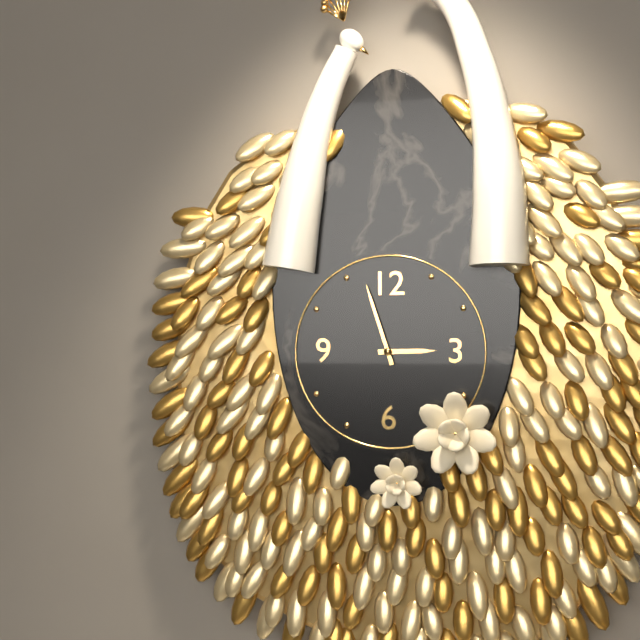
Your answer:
**2:57**
